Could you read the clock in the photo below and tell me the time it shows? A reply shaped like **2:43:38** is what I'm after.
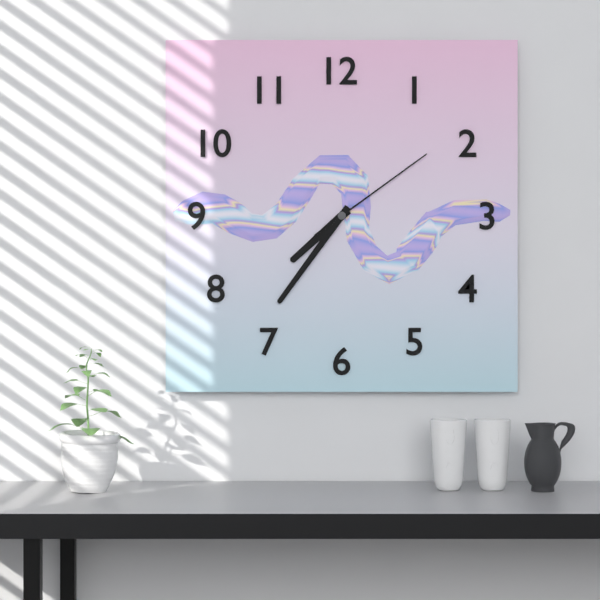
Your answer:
**7:36:09**
